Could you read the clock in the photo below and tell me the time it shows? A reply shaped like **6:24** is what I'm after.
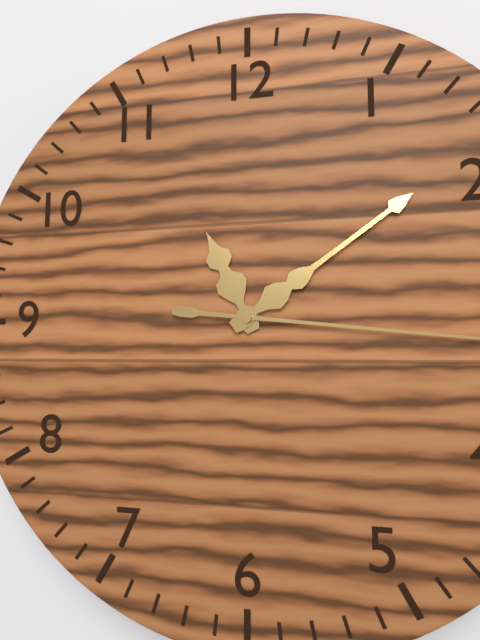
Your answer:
**11:09**
